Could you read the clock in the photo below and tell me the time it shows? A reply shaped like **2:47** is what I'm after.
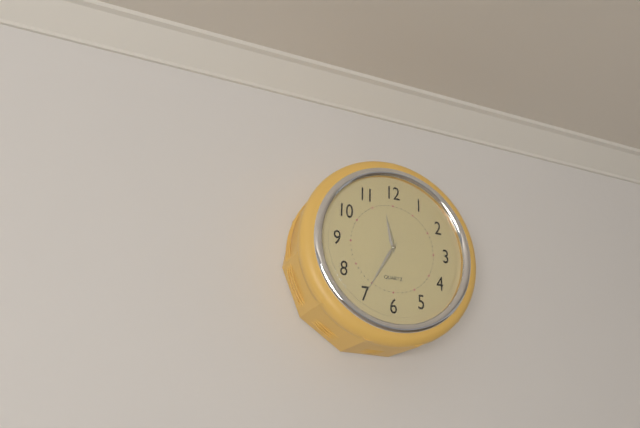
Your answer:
**11:35**
